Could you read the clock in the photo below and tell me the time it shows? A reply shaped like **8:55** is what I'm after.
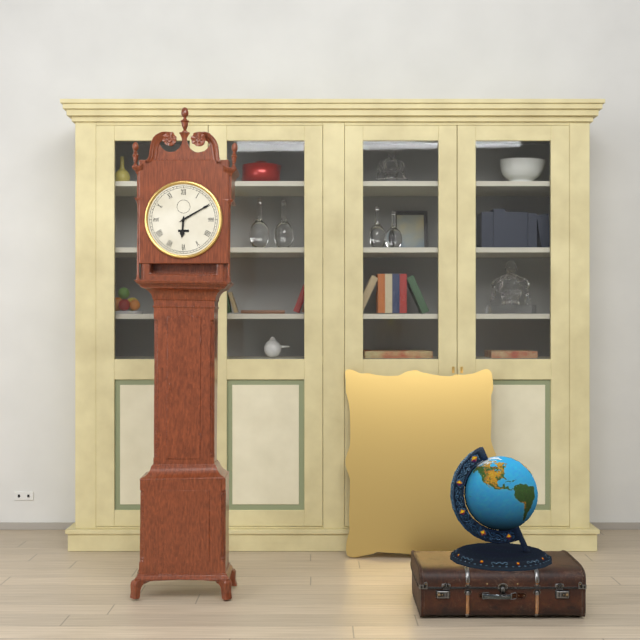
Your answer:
**6:10**
